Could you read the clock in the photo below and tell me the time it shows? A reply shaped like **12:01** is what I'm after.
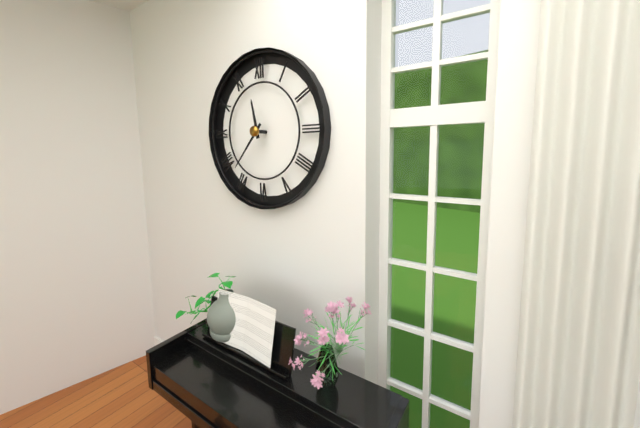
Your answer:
**11:37**
